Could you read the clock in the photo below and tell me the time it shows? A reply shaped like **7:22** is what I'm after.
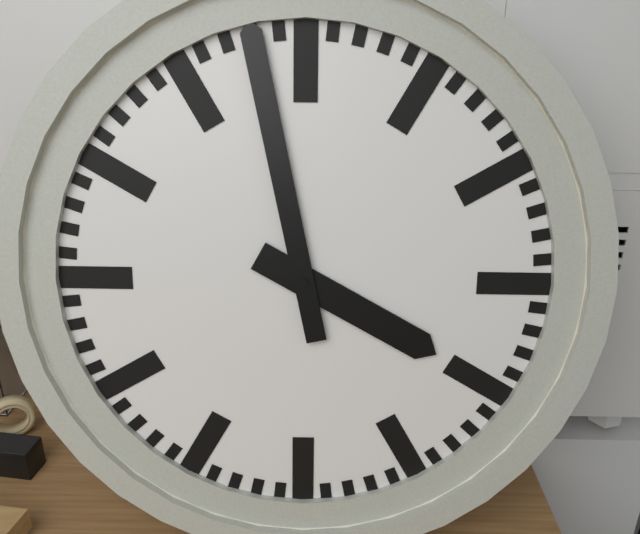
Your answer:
**3:58**
